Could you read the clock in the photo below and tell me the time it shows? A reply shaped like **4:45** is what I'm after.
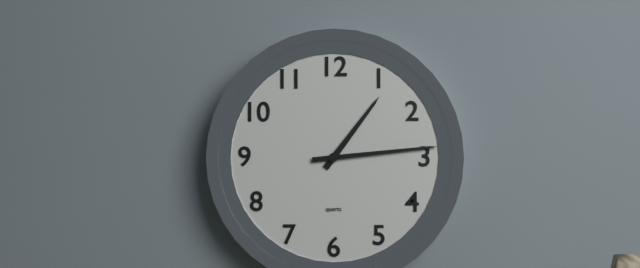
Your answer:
**1:14**
